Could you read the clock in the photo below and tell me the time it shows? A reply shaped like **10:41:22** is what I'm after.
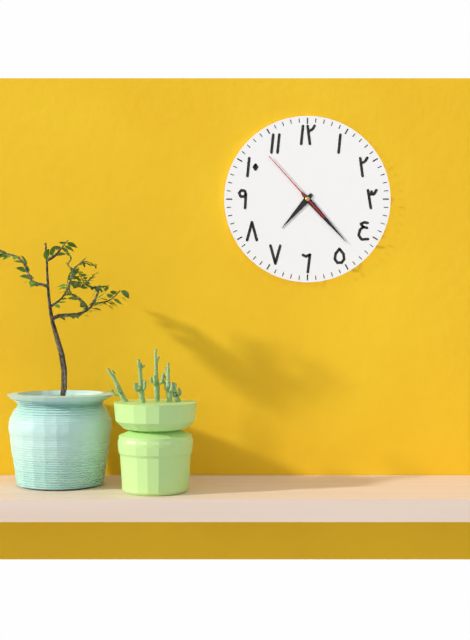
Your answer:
**7:23:53**
